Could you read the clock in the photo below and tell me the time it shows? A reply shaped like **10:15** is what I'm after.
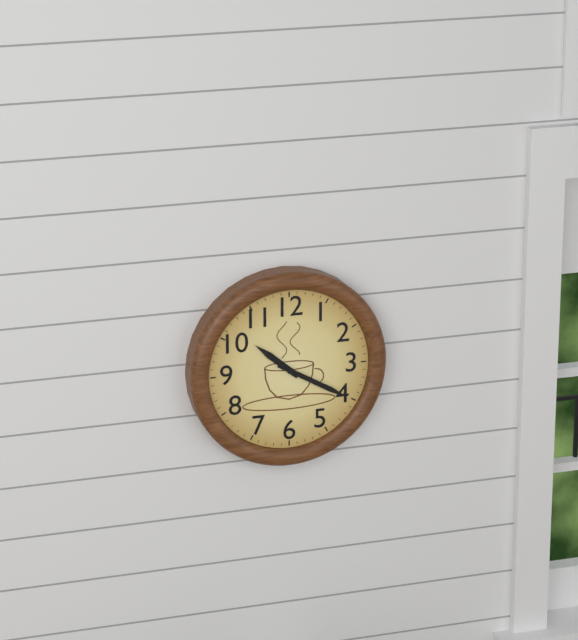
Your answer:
**10:20**
